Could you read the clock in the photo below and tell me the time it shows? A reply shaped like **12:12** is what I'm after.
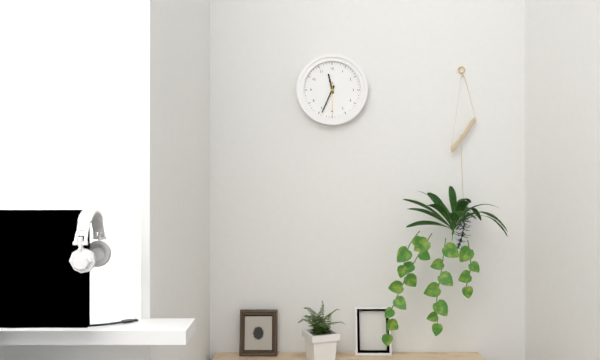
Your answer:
**11:34**
